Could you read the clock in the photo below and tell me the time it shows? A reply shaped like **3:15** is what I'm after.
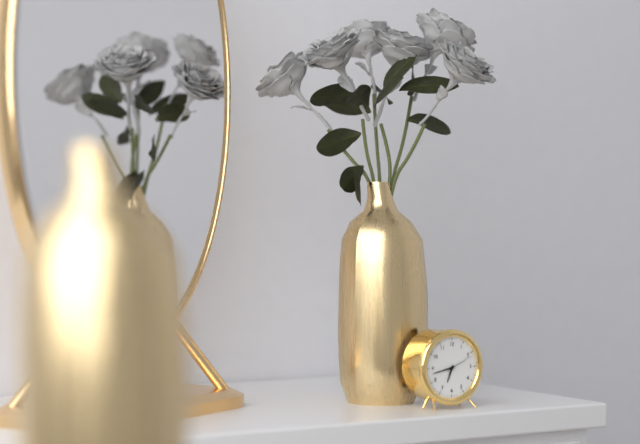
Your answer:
**6:43**
